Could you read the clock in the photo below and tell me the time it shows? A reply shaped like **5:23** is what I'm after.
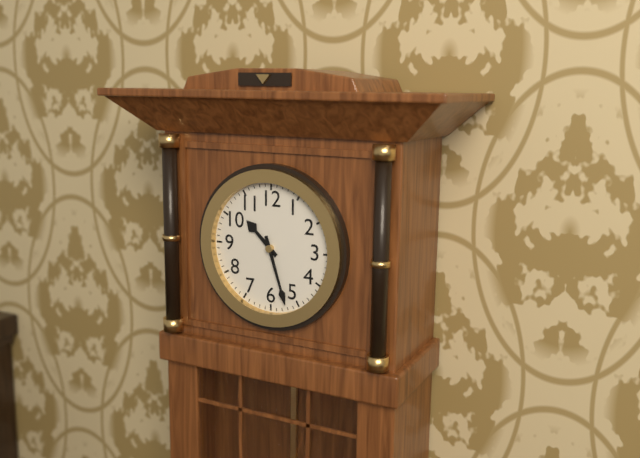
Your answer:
**10:27**
